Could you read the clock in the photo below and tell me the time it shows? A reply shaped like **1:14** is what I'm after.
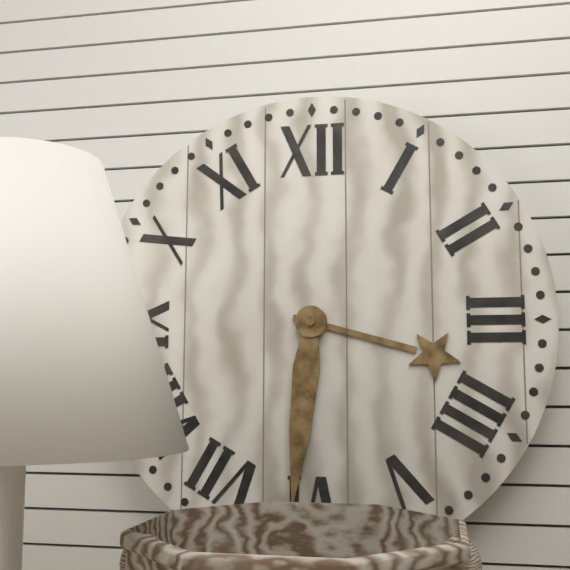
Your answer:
**3:31**
